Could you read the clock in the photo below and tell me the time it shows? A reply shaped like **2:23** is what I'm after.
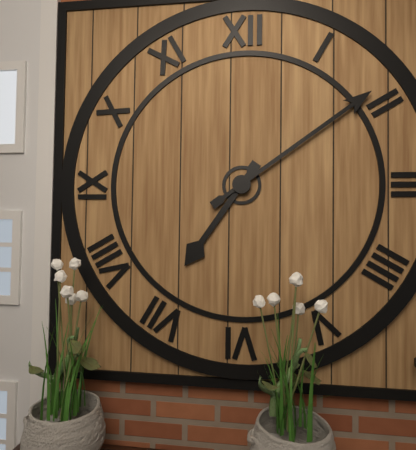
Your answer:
**7:09**
